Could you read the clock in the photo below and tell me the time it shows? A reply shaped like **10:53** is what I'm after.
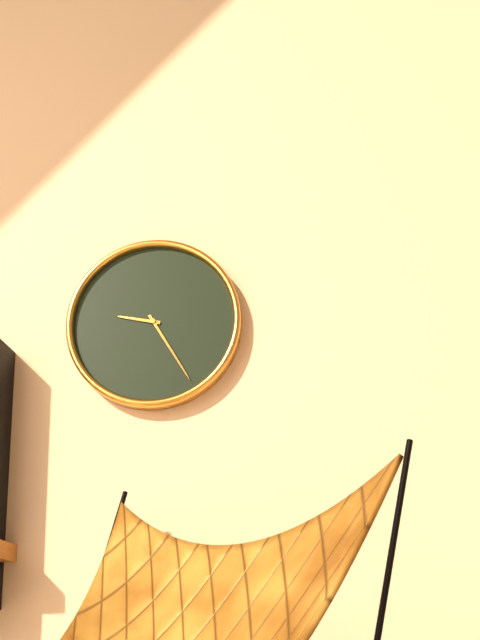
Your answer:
**9:25**
